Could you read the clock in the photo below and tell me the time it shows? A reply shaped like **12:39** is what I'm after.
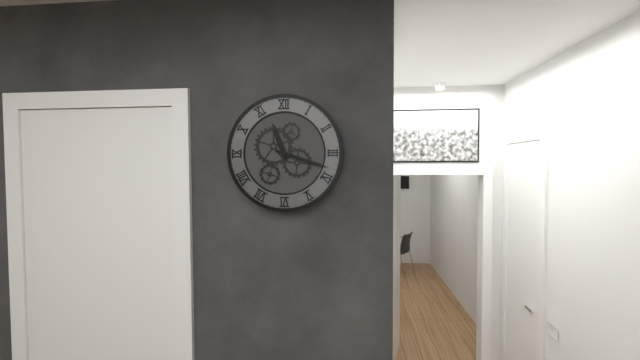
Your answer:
**11:18**
